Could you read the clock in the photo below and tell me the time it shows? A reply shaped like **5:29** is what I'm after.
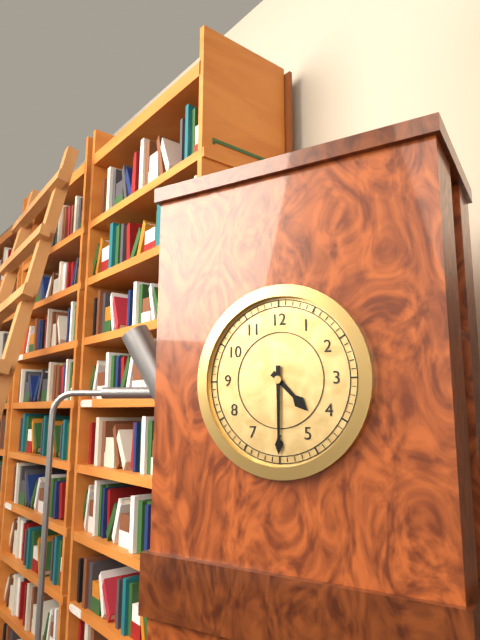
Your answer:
**4:30**
